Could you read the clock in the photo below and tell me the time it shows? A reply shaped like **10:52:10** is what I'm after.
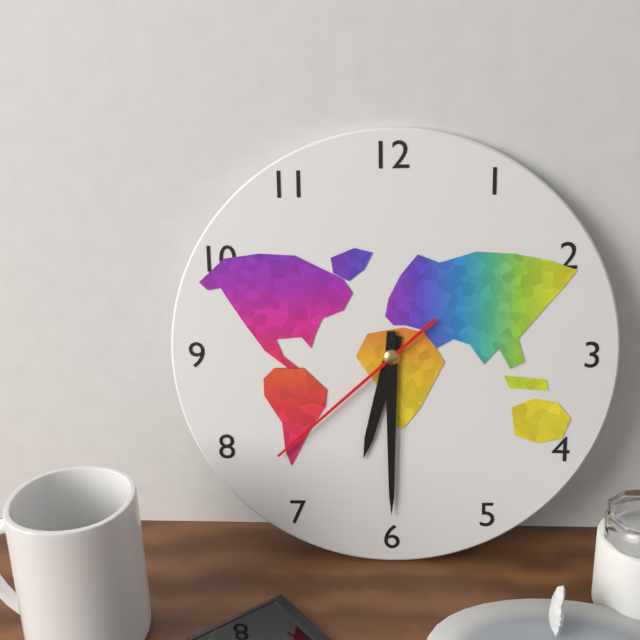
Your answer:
**6:30:38**
